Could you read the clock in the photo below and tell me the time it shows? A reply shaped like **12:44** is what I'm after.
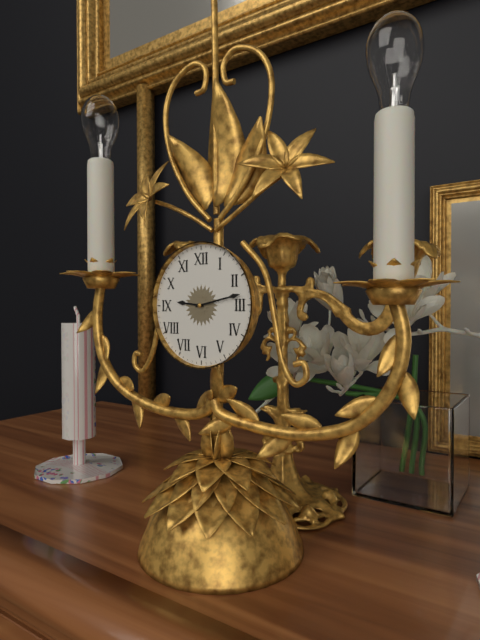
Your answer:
**9:13**
